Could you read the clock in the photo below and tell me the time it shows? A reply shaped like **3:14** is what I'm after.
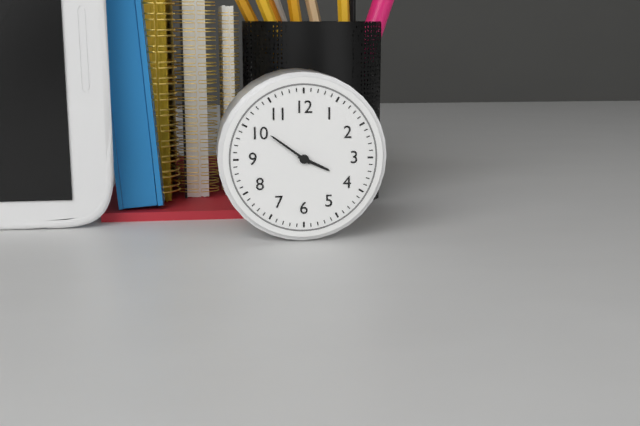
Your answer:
**3:51**
